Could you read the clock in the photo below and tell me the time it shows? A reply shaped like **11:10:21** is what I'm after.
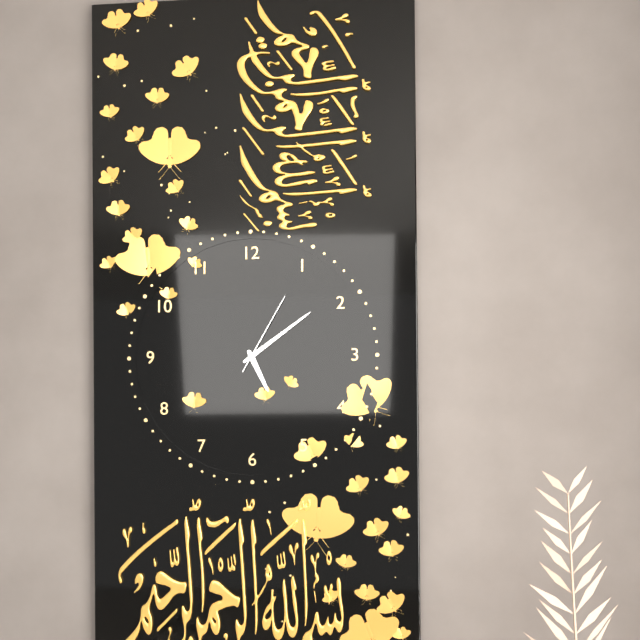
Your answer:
**5:09:05**
